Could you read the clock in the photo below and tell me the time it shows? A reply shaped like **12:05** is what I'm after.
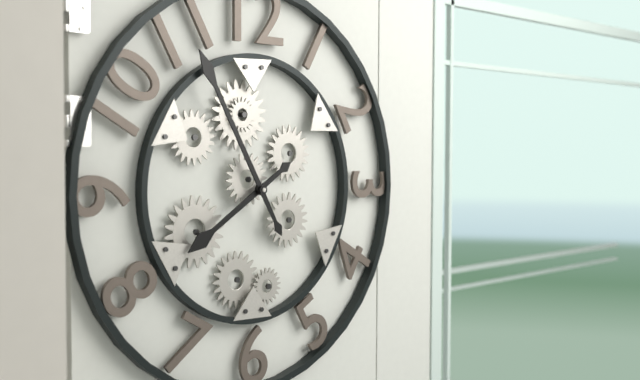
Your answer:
**7:55**
